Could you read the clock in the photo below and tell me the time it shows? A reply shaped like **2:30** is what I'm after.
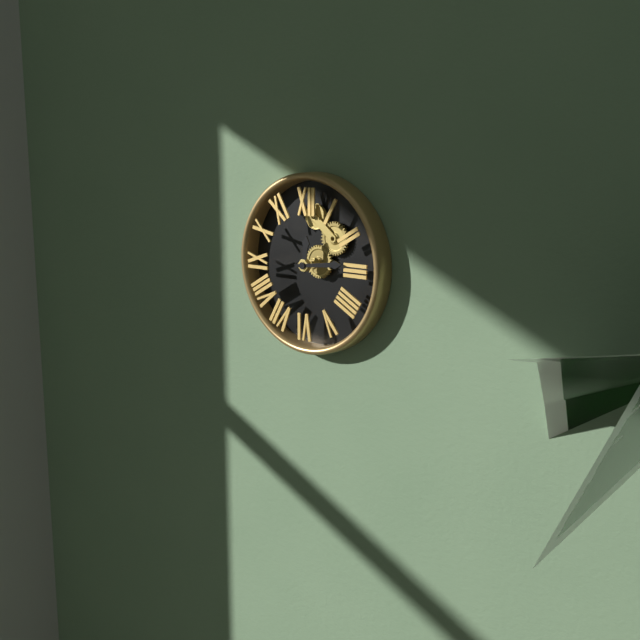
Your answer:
**12:14**
